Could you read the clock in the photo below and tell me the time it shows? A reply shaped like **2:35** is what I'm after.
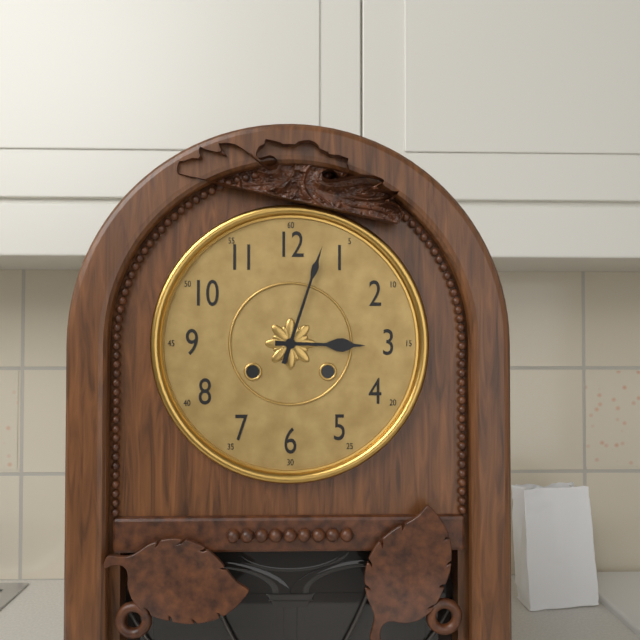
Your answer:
**3:03**
